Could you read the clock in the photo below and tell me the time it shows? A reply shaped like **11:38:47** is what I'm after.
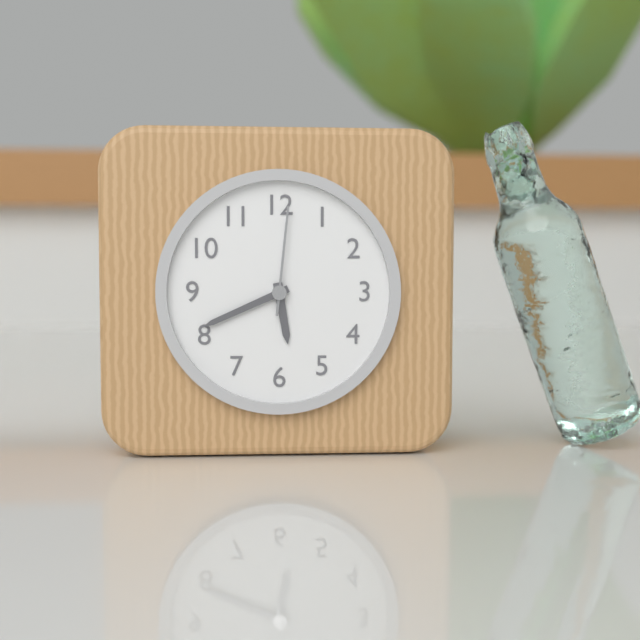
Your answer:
**5:41:01**
